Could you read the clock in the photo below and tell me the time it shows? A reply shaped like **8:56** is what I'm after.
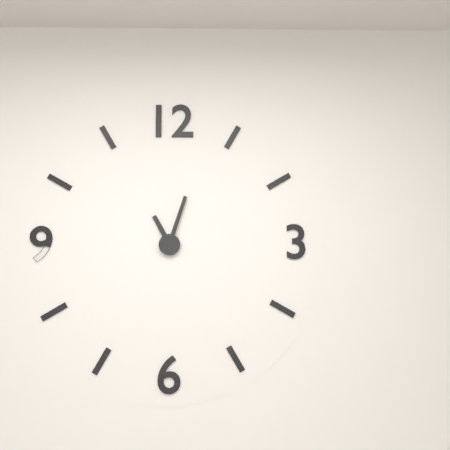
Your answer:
**11:03**
